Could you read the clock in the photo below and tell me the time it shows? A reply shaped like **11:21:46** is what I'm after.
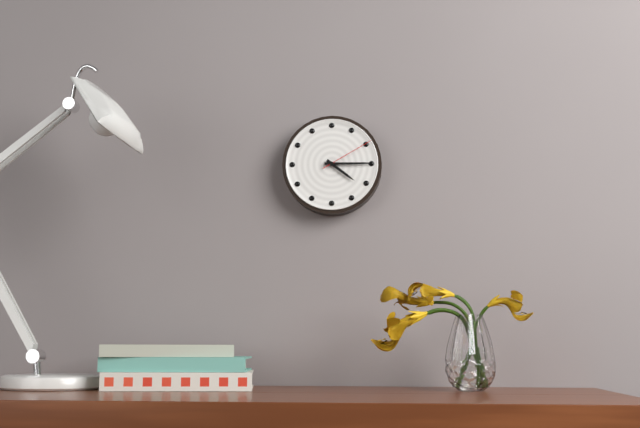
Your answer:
**4:15:10**
